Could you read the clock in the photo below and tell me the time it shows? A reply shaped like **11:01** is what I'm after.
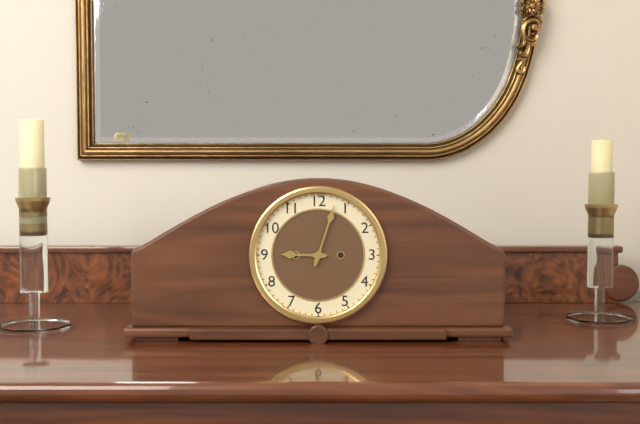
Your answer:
**9:03**
